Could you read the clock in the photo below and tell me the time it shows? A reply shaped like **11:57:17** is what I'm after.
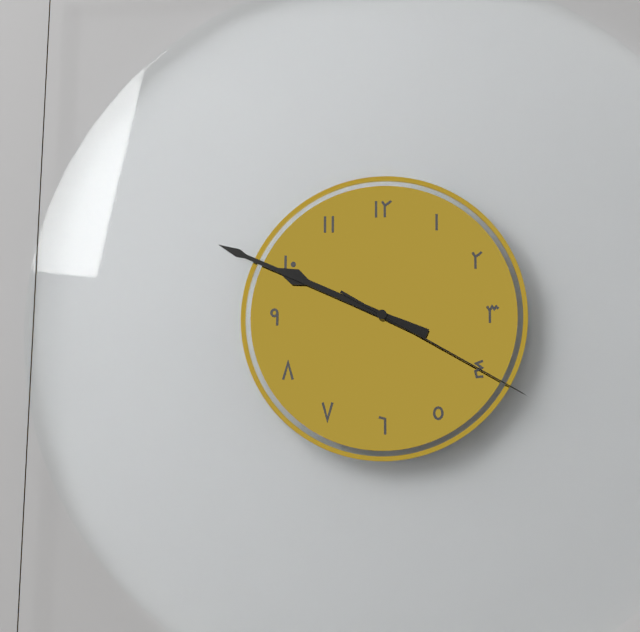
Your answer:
**9:49:20**
